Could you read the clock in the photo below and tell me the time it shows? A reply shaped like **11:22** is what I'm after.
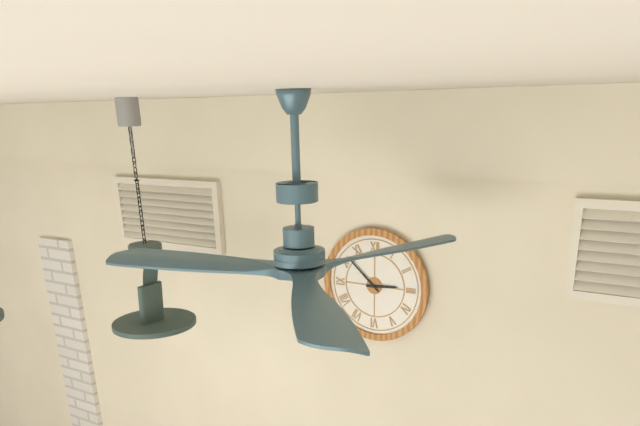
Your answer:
**2:52**
